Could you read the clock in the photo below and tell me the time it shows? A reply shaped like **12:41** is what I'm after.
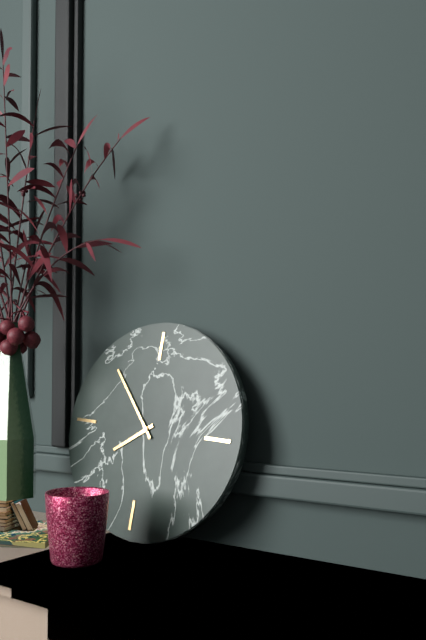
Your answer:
**7:53**
